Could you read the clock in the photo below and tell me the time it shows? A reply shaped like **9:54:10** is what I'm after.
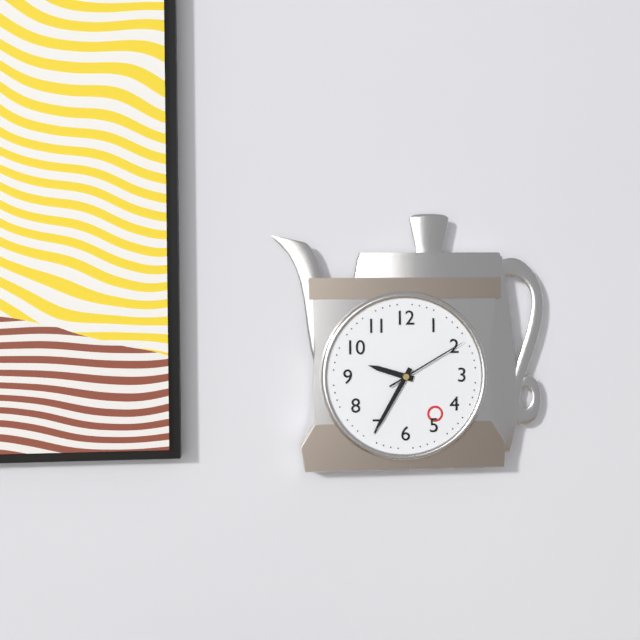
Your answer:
**9:35:10**
